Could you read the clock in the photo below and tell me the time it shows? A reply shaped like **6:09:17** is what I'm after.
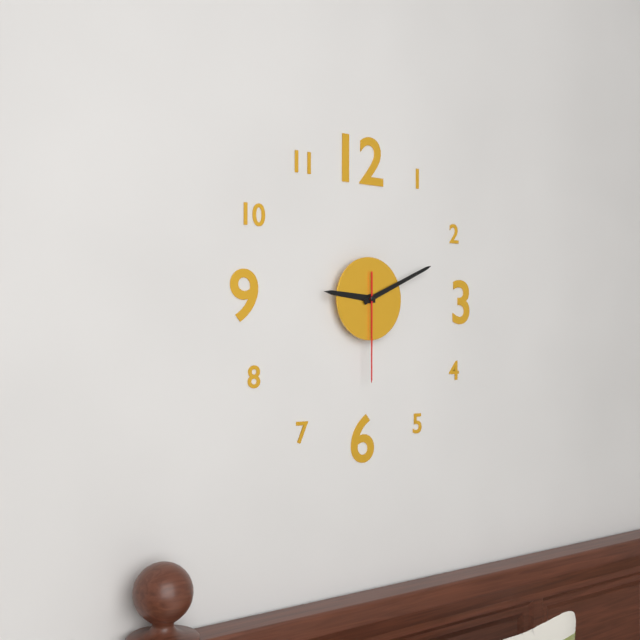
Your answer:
**9:11:30**
